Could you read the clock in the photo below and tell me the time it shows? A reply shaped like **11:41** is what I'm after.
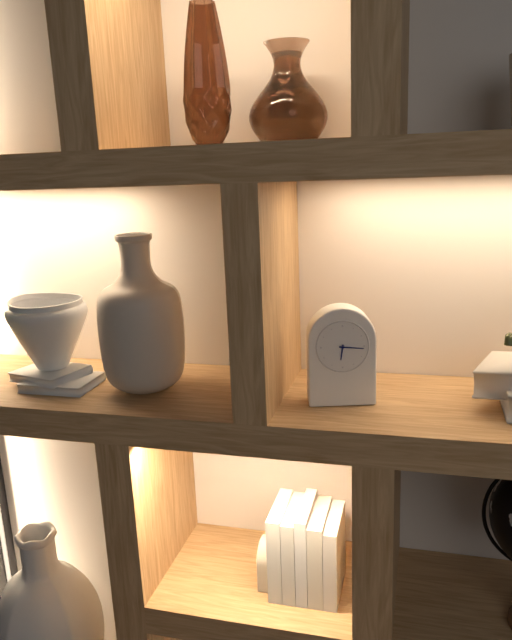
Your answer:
**6:16**
